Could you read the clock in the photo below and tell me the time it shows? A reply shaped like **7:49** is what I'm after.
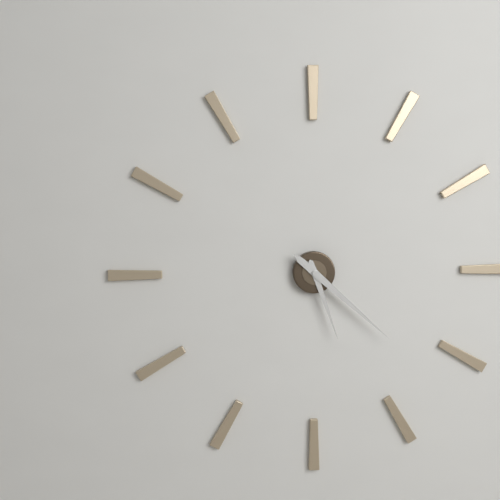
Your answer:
**5:22**
